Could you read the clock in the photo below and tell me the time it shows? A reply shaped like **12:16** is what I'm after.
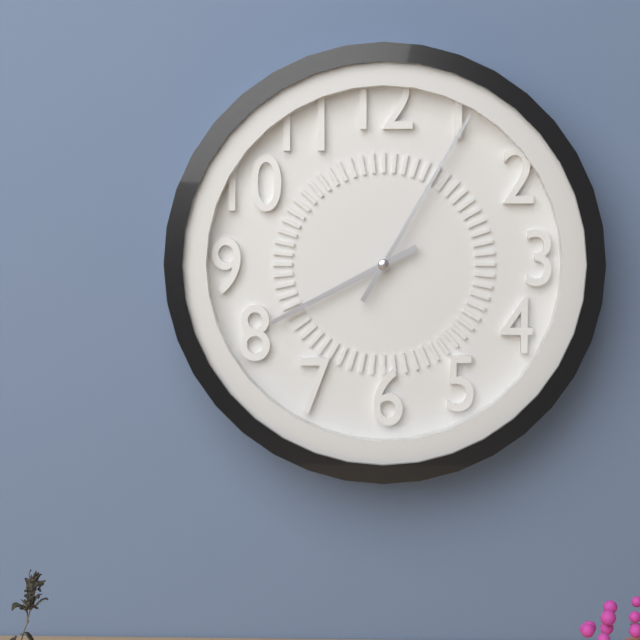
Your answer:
**8:05**
